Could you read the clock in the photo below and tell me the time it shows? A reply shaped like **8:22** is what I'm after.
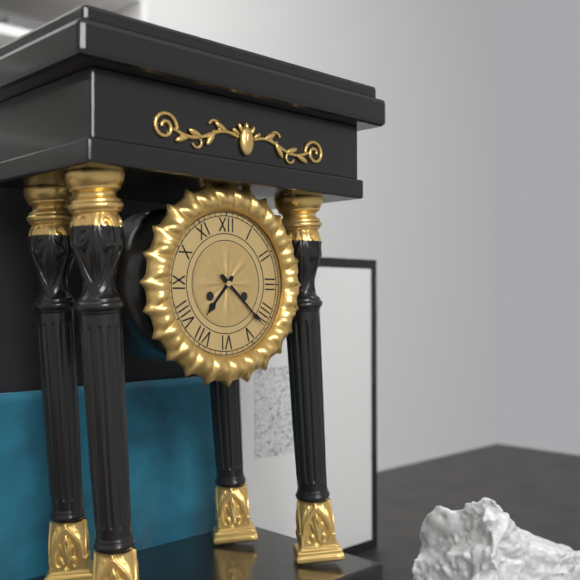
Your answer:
**7:22**
